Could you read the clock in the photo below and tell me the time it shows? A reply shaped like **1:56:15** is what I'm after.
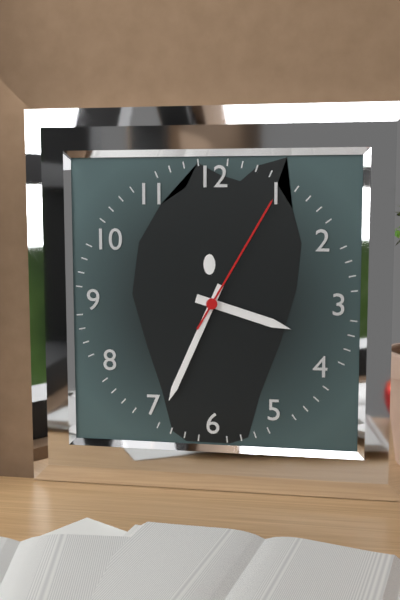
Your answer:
**3:34:05**
